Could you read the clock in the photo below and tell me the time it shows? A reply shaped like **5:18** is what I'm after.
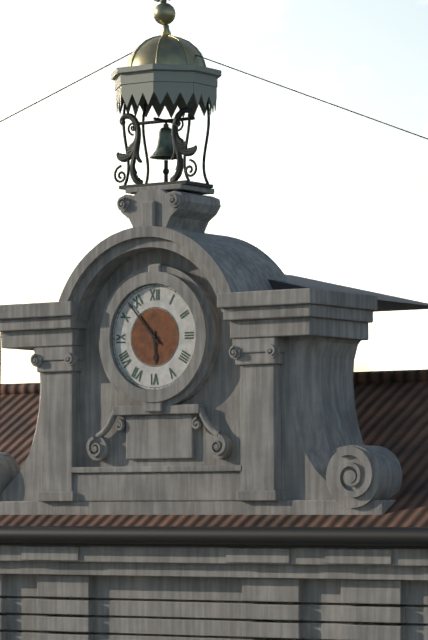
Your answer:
**5:53**
